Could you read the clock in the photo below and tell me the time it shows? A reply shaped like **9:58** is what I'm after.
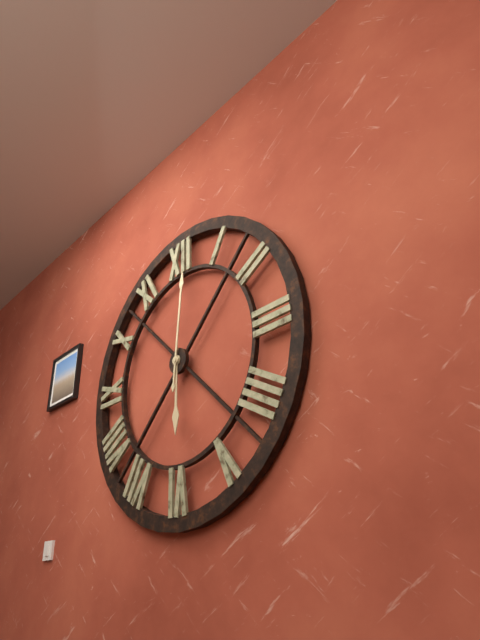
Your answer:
**6:01**
